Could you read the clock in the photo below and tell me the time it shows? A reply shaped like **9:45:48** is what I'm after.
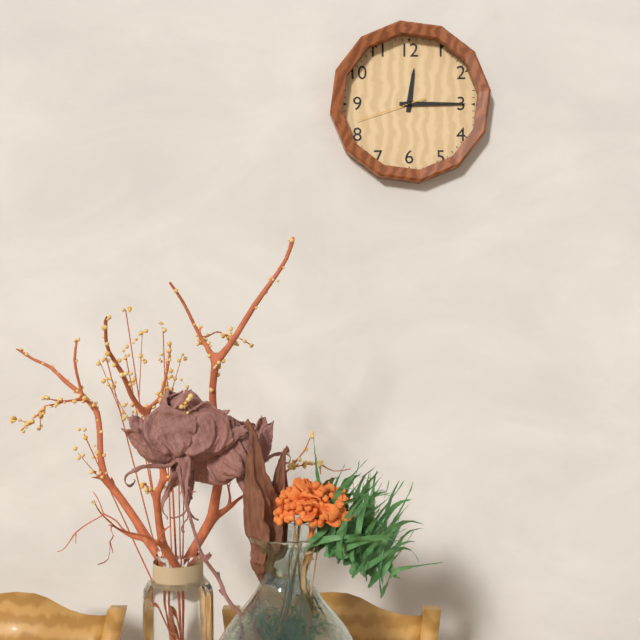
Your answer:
**12:15:42**
